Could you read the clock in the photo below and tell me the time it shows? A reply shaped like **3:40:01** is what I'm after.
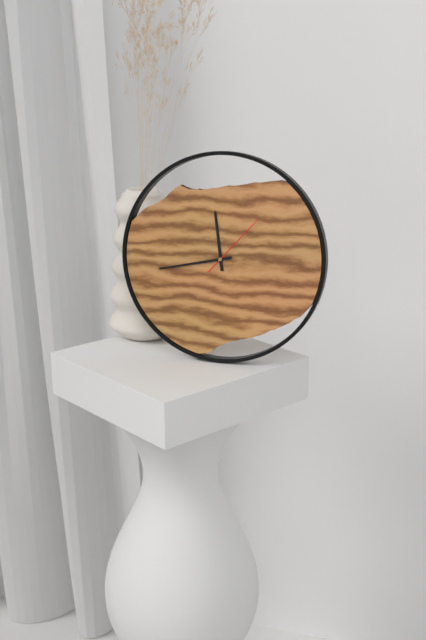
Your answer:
**11:43:07**
